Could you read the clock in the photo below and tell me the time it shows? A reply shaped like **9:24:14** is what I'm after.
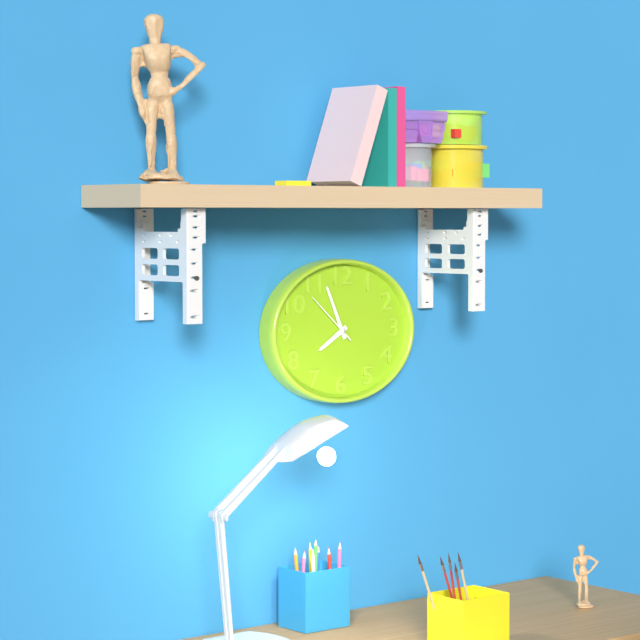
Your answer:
**7:56:52**
